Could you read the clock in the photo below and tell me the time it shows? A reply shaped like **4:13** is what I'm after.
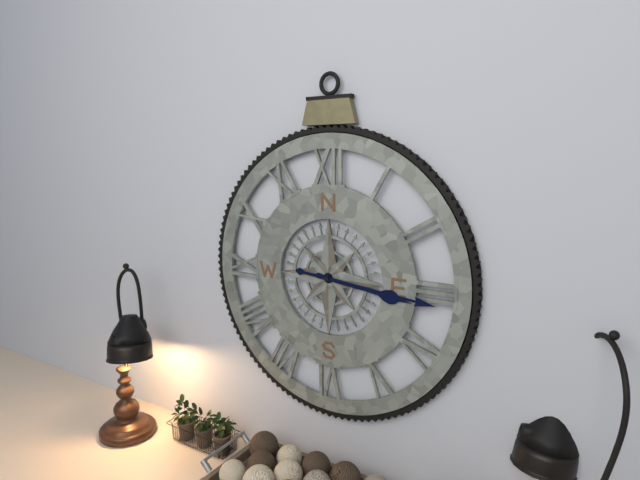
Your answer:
**3:16**
